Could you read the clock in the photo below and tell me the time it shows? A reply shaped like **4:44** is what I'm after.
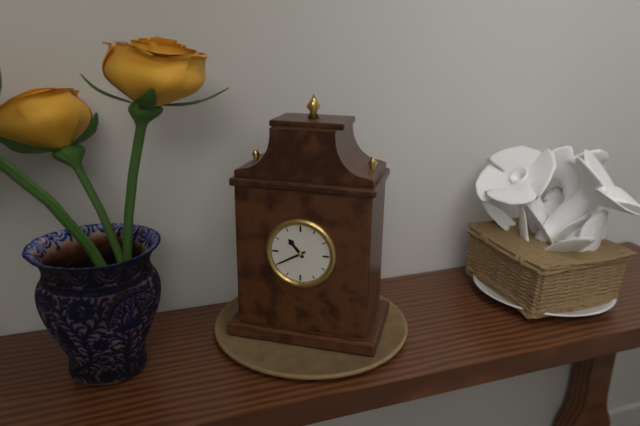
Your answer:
**10:40**
